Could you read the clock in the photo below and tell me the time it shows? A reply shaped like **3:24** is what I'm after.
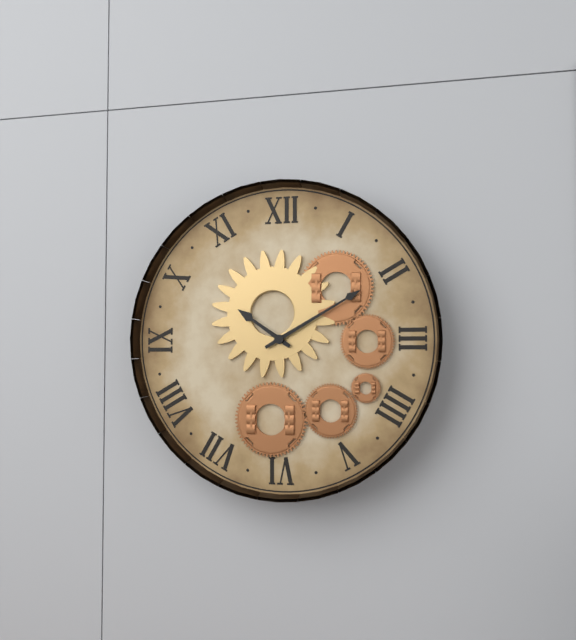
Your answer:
**10:10**
